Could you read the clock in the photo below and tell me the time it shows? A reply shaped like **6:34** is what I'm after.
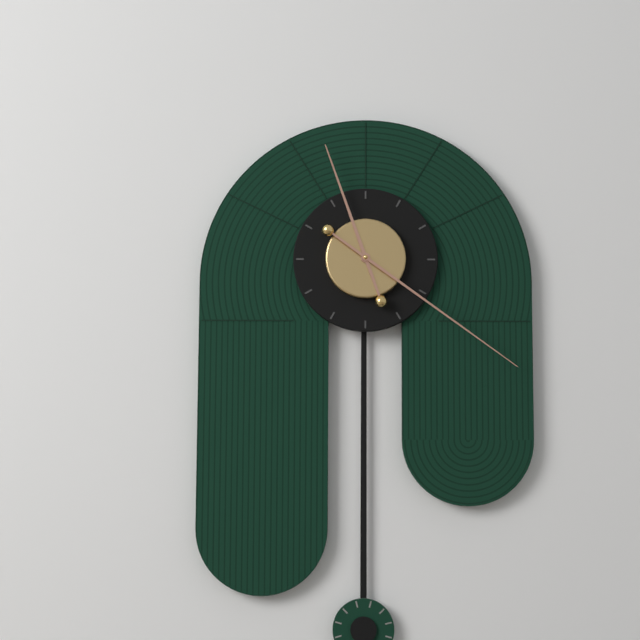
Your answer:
**11:21**
